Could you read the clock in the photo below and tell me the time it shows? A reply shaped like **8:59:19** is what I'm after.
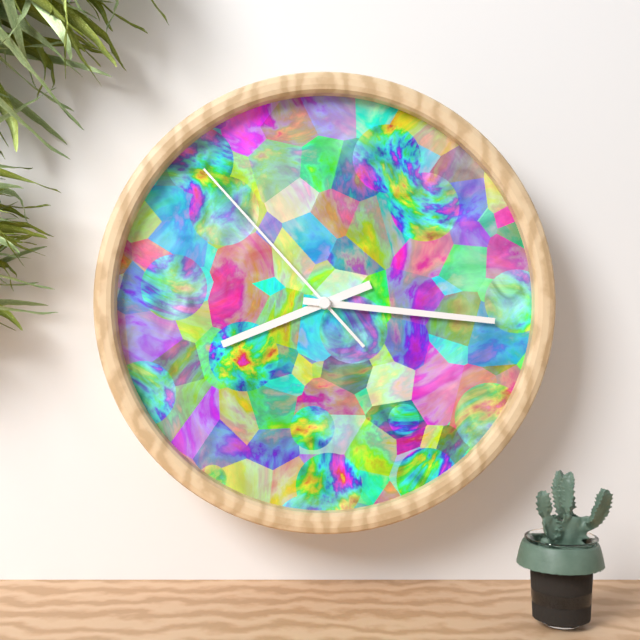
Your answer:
**8:16:53**
